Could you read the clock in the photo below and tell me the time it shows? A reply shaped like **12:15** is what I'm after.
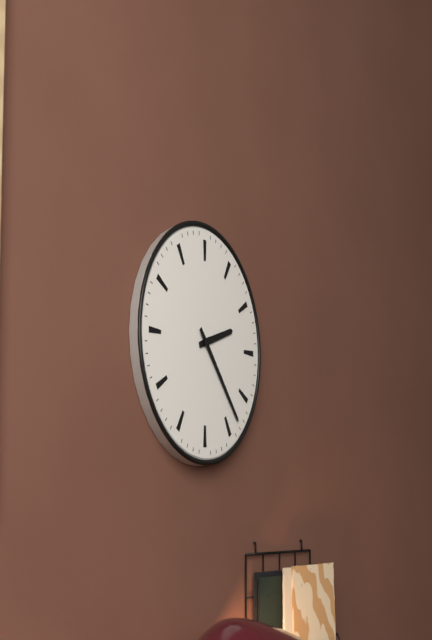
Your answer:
**2:23**
